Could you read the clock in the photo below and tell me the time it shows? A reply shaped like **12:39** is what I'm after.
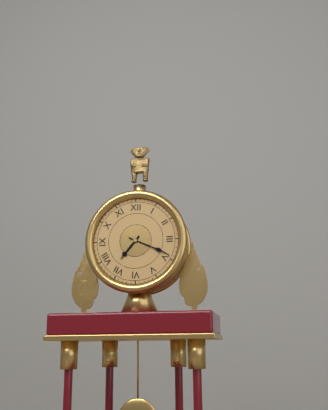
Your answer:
**7:19**
